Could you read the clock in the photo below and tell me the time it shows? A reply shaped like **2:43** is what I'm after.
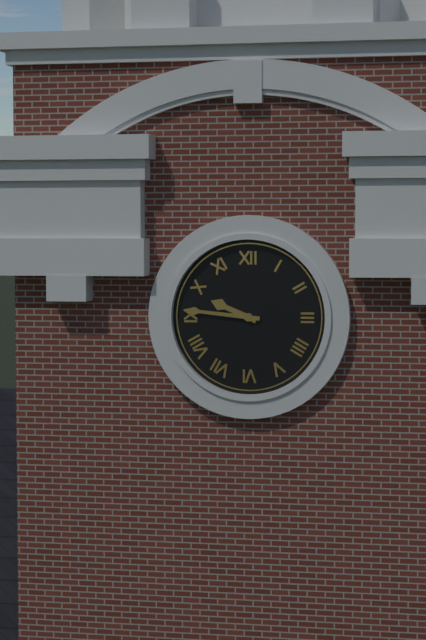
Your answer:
**9:46**
